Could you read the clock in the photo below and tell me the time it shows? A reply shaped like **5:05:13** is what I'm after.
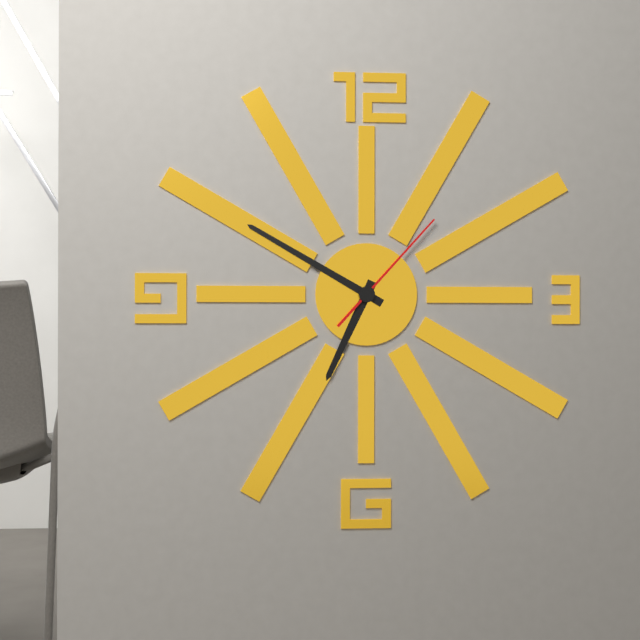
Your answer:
**6:50:07**
